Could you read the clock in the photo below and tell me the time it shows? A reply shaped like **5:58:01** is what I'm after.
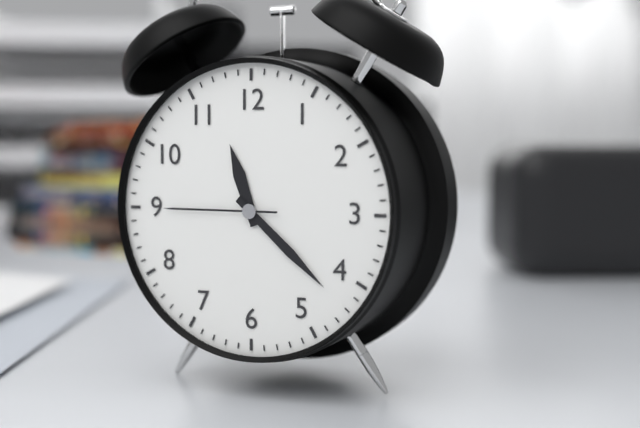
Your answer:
**11:22:45**
